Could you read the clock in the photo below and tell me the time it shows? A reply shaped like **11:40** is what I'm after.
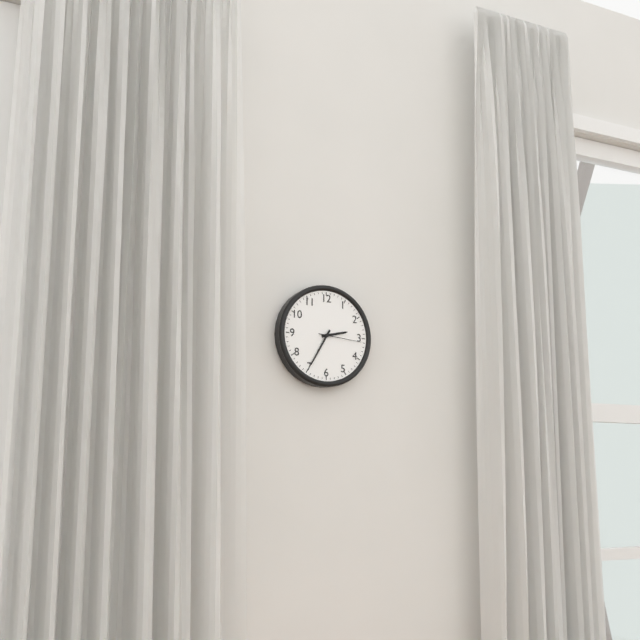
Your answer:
**2:35**
